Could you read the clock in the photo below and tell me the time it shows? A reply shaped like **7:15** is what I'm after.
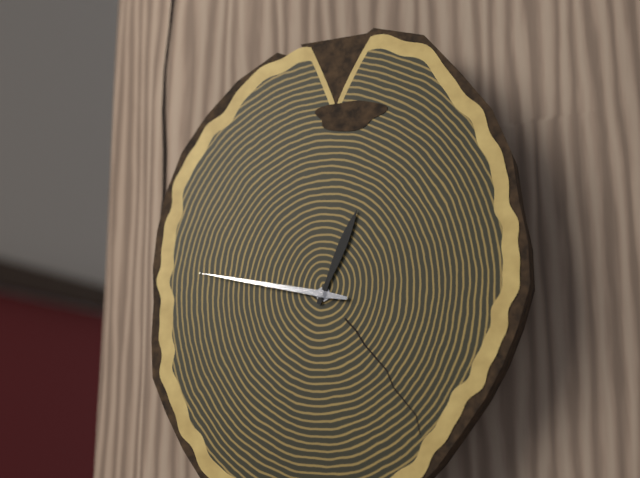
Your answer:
**12:47**
